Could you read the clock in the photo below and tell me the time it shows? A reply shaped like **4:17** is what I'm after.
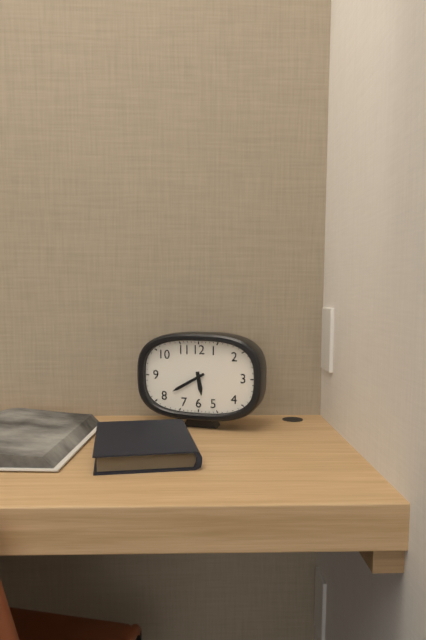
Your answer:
**5:40**
